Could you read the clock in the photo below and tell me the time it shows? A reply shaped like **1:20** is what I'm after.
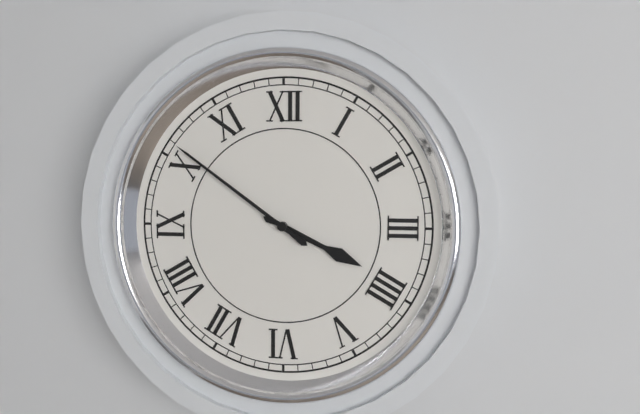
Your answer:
**3:51**
